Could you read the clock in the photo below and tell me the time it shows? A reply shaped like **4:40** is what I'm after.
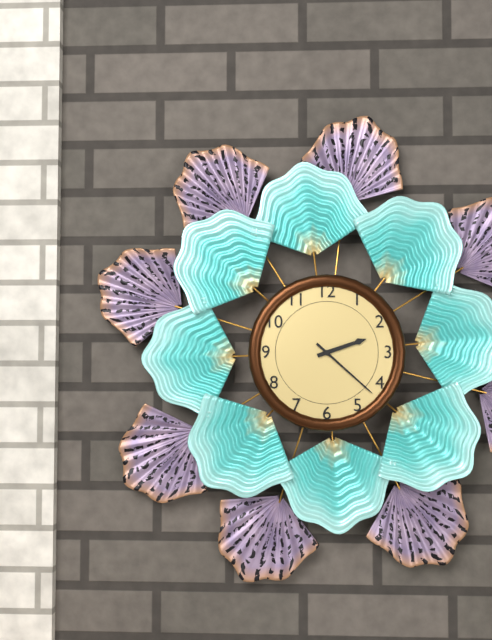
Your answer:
**2:22**
